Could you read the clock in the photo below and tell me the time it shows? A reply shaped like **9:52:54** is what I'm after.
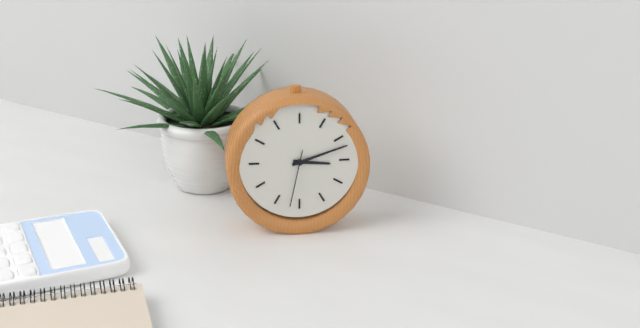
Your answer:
**3:12:32**
